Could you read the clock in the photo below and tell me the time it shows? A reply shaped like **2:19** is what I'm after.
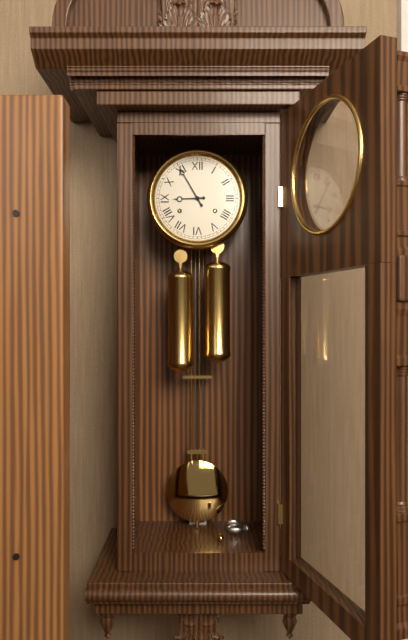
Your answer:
**8:55**
